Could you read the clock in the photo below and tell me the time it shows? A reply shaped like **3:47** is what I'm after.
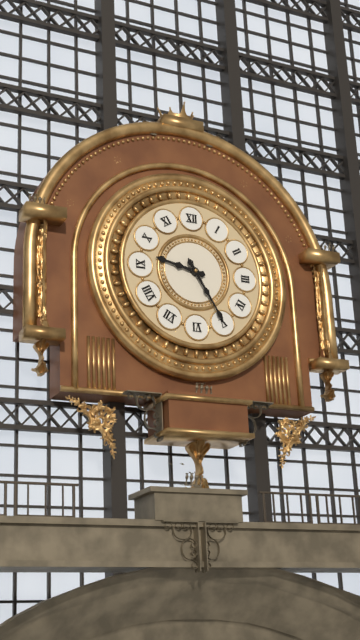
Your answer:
**9:25**
